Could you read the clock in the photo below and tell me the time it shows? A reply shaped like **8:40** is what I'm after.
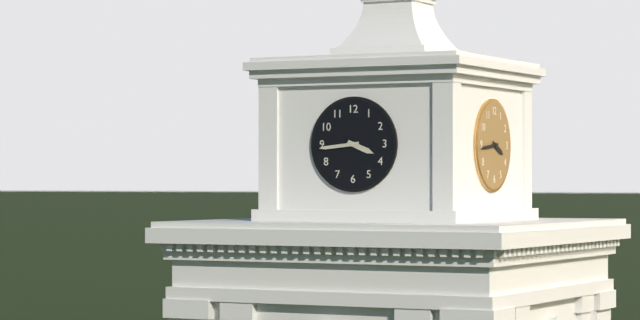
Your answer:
**3:44**
